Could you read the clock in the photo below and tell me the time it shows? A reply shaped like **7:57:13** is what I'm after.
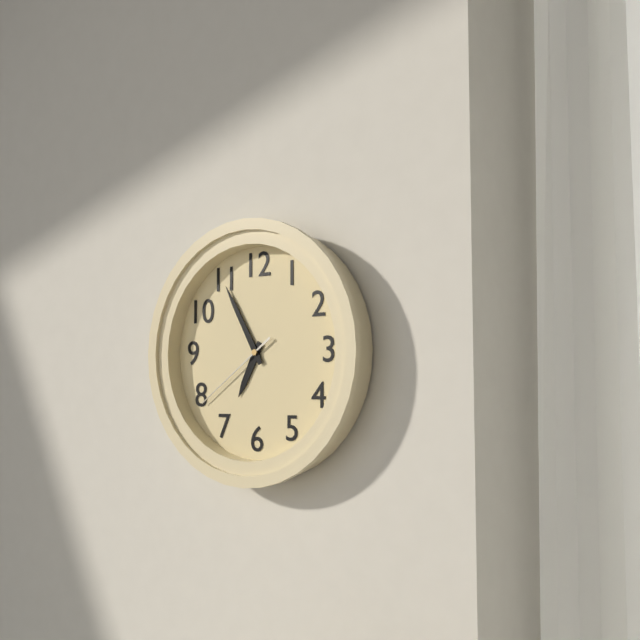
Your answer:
**6:55:39**
